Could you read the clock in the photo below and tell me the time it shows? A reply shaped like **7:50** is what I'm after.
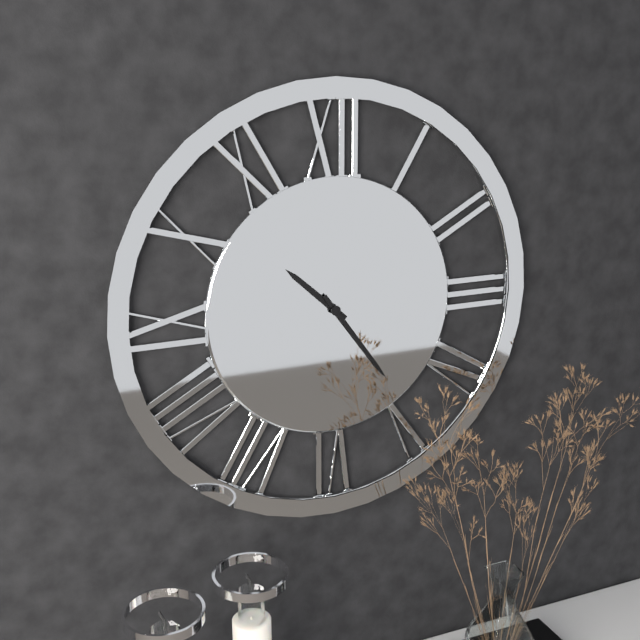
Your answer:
**10:24**
